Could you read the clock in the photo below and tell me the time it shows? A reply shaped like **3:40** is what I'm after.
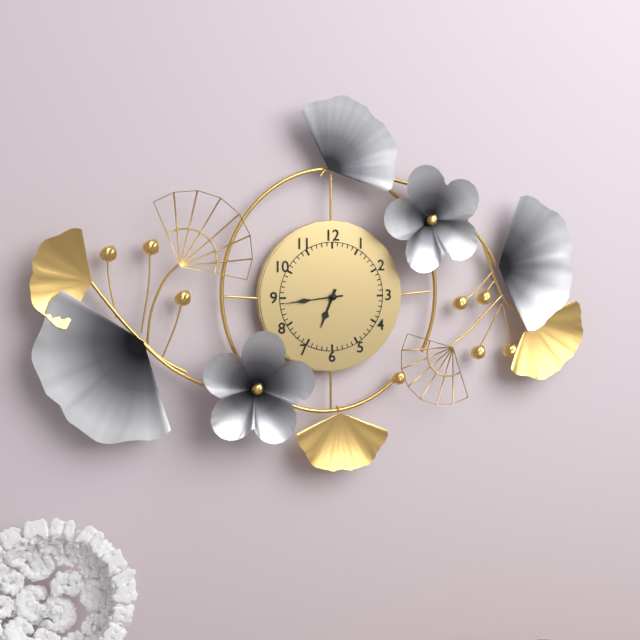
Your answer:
**6:44**
